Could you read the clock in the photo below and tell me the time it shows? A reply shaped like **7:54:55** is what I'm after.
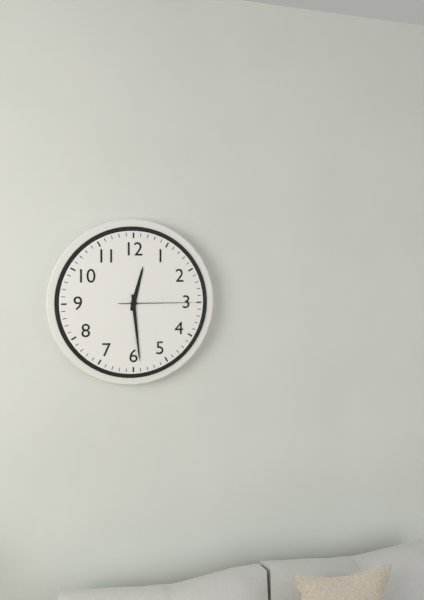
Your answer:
**12:29:15**
